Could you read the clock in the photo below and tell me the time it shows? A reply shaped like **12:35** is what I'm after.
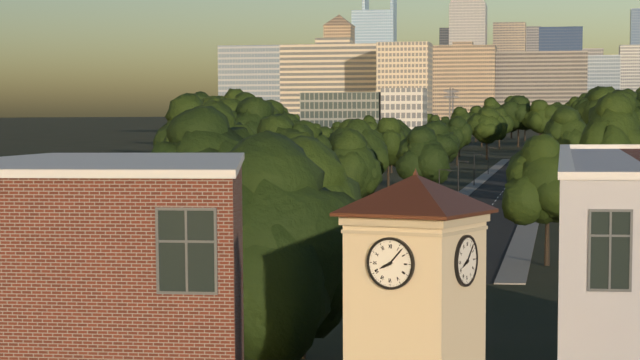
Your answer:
**8:07**
